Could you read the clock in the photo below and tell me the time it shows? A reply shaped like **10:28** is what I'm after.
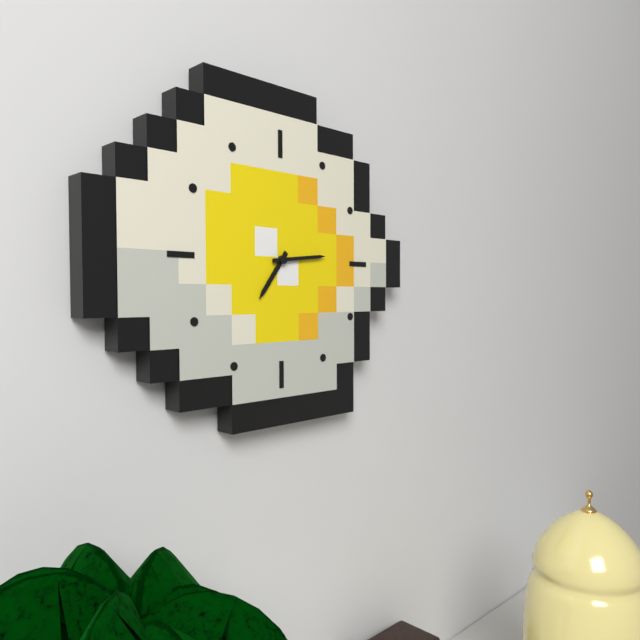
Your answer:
**7:14**
